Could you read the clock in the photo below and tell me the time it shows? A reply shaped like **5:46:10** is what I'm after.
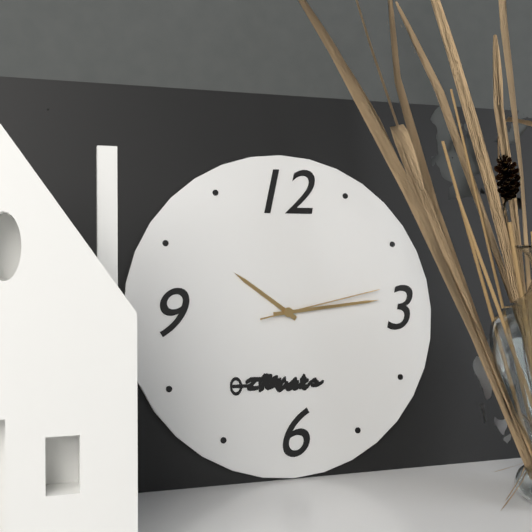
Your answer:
**10:14:13**
